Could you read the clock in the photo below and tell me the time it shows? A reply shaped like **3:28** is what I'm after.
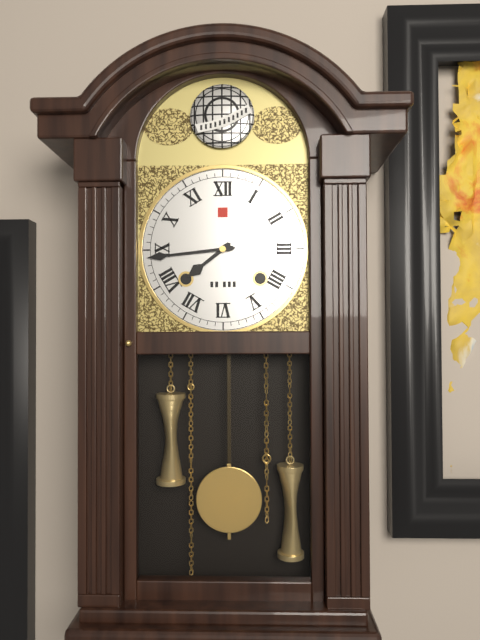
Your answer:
**7:44**
